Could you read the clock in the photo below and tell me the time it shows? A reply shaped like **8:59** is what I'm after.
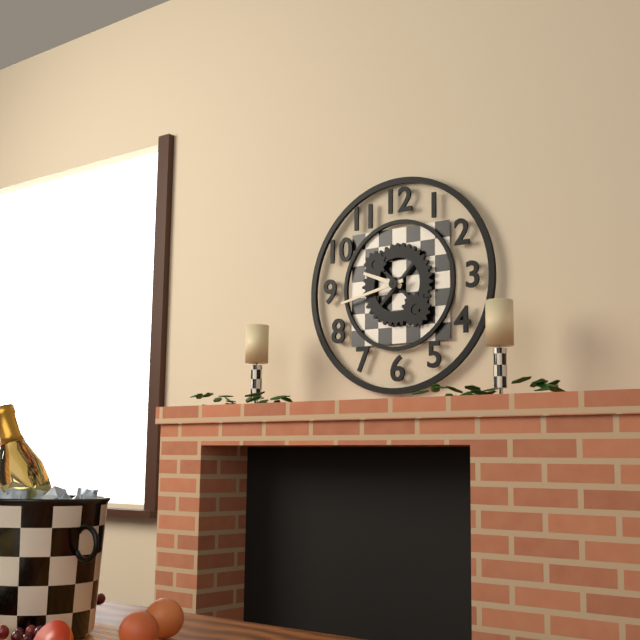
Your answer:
**9:43**
